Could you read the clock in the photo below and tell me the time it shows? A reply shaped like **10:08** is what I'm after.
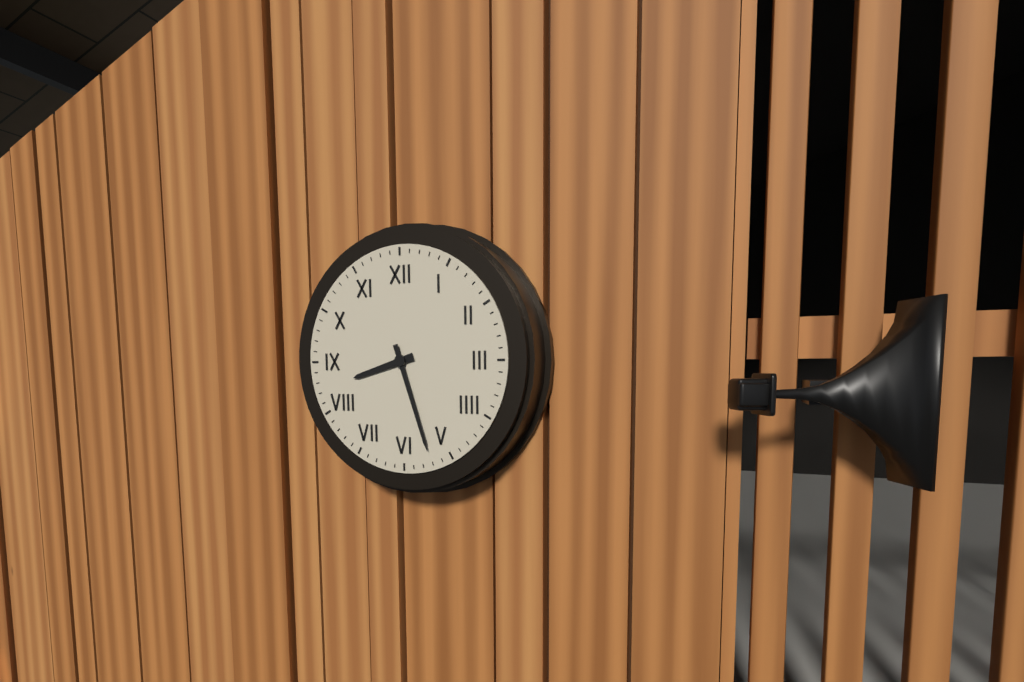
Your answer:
**8:27**
